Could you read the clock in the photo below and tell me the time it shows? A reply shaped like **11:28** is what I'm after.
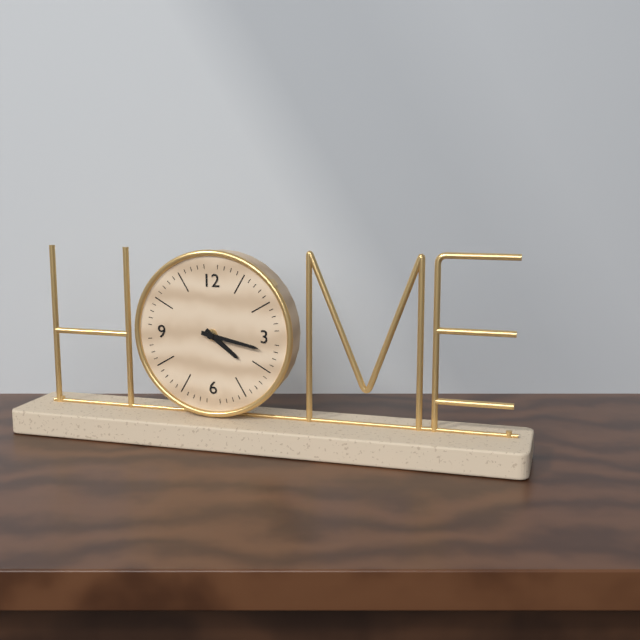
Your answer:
**4:17**
